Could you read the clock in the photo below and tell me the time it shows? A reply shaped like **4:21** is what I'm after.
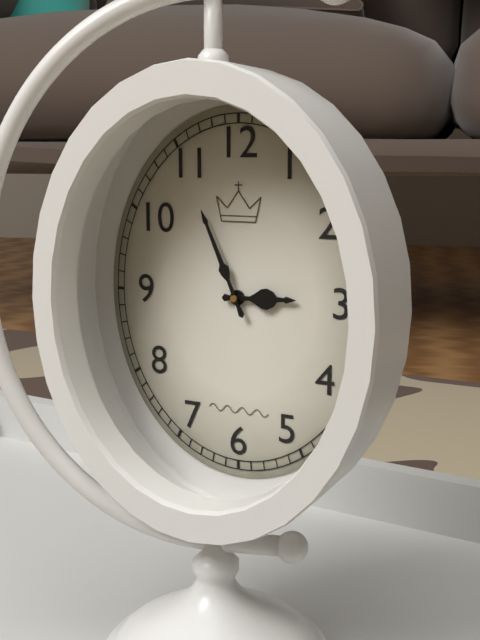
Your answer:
**2:56**
